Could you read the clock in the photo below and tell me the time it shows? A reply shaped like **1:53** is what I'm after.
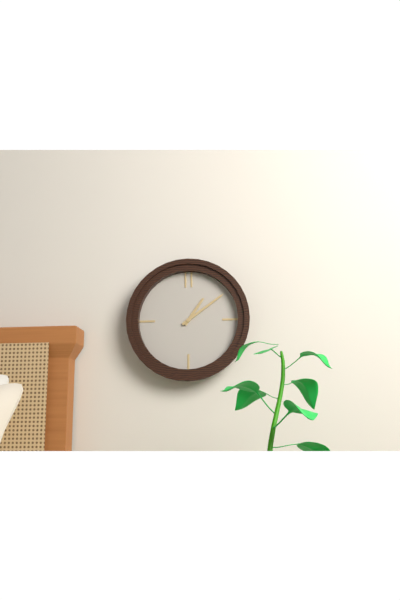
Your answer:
**1:09**
